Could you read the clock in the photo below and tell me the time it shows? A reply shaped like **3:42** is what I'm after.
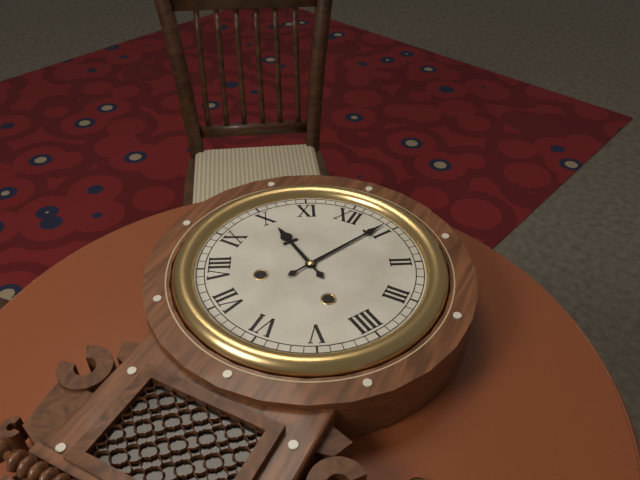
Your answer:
**10:04**
